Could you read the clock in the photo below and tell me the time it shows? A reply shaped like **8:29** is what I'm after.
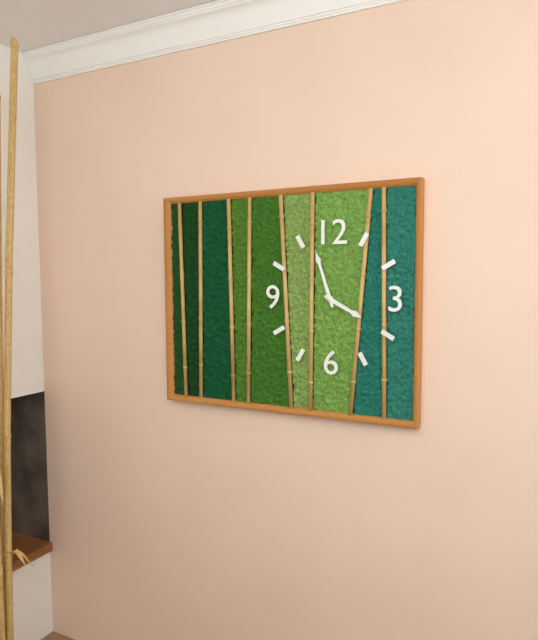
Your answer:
**3:57**
